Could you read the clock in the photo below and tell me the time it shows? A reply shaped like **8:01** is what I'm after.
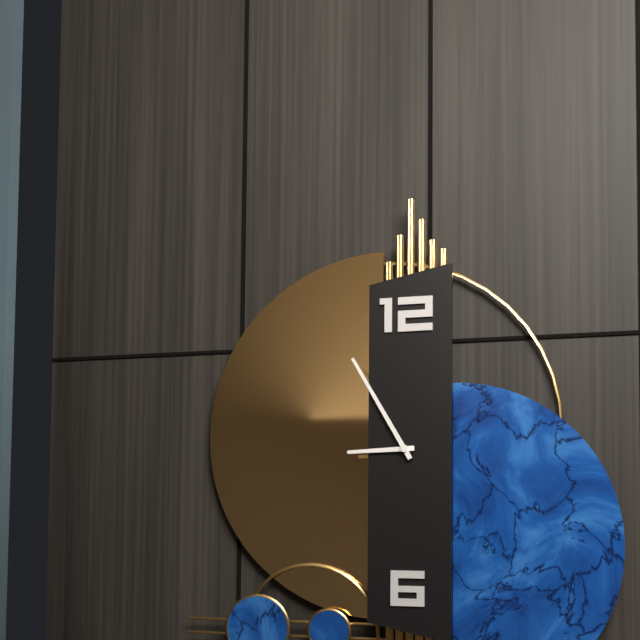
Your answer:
**8:55**
